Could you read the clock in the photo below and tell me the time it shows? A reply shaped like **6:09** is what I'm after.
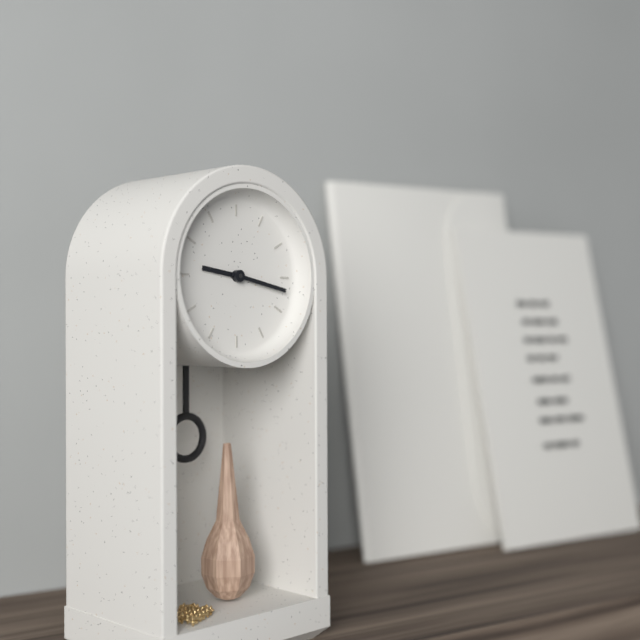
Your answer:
**9:17**
